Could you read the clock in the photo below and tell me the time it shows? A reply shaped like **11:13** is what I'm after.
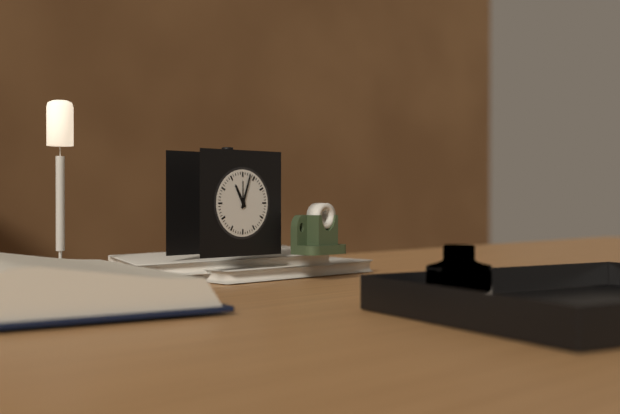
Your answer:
**11:03**
